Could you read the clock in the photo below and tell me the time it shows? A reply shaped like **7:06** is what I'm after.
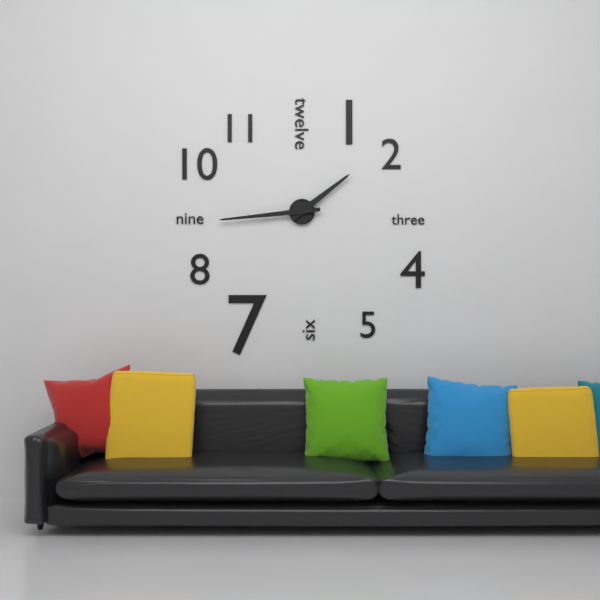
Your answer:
**1:44**
